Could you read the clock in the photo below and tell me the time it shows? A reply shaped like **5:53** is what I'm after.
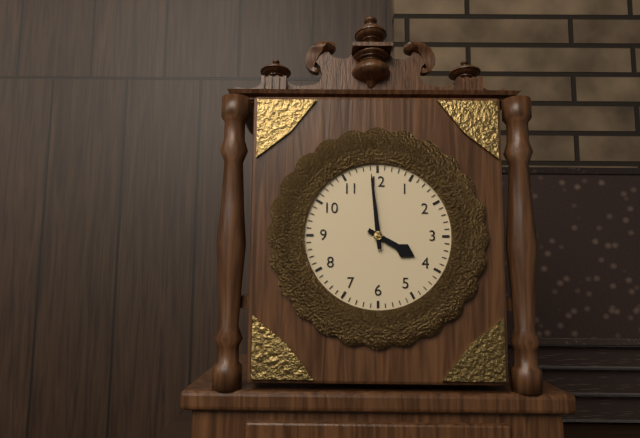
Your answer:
**3:59**
